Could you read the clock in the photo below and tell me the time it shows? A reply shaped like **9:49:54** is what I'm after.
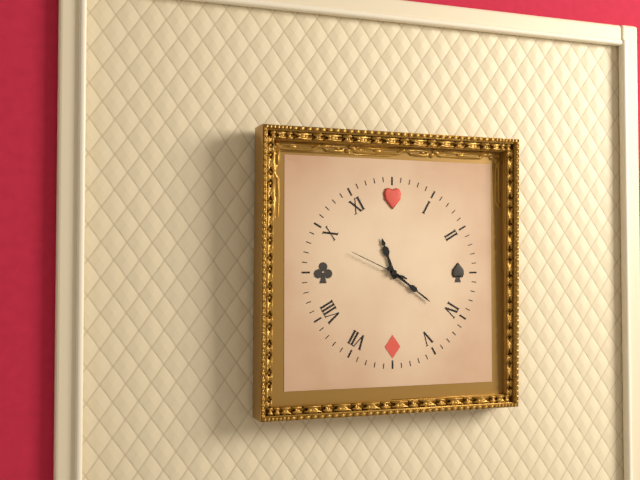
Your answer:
**11:21:49**
